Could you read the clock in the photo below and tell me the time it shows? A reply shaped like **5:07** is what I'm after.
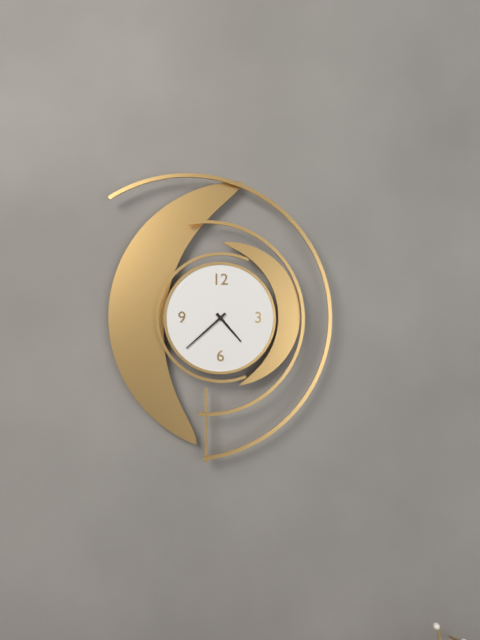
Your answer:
**4:38**
